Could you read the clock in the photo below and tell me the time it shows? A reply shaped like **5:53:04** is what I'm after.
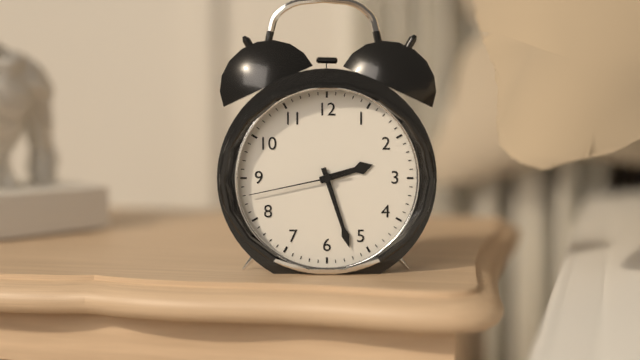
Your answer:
**2:27:43**
